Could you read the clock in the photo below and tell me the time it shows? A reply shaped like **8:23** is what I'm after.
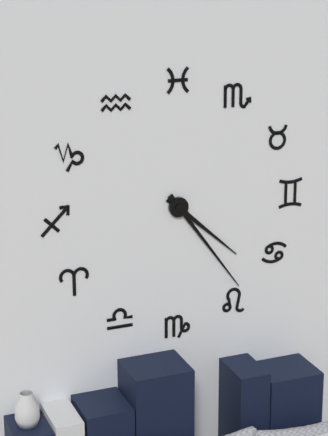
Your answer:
**4:24**
